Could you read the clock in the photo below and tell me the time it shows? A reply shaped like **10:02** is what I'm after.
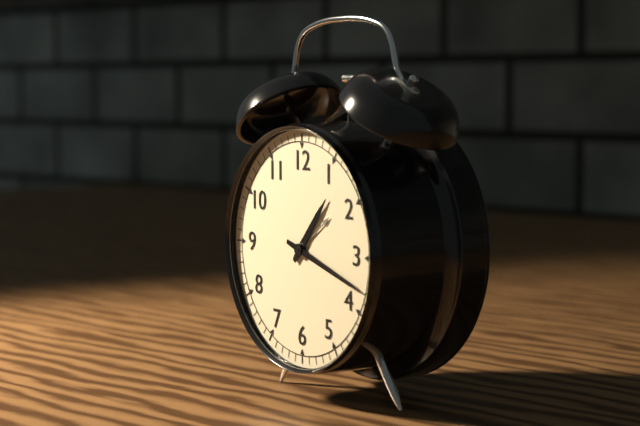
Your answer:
**1:18**
